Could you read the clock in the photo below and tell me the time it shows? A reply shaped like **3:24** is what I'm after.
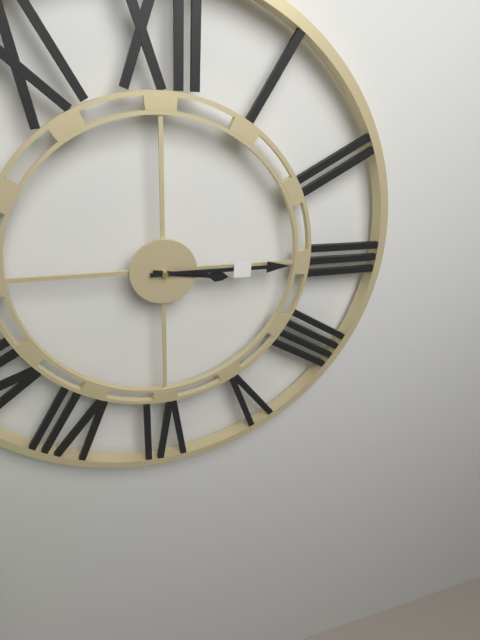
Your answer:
**3:15**
